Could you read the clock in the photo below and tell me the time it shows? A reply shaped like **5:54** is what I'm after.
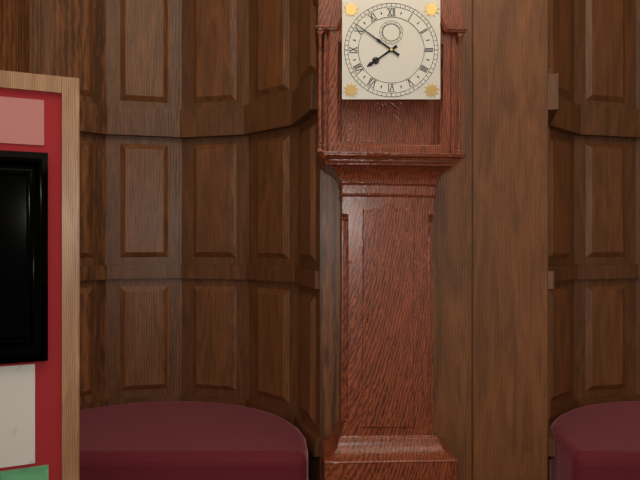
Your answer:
**7:51**
